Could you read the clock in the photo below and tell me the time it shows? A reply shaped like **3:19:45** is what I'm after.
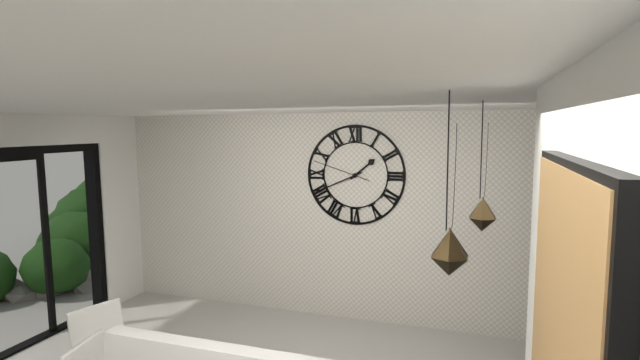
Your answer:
**1:41:48**
